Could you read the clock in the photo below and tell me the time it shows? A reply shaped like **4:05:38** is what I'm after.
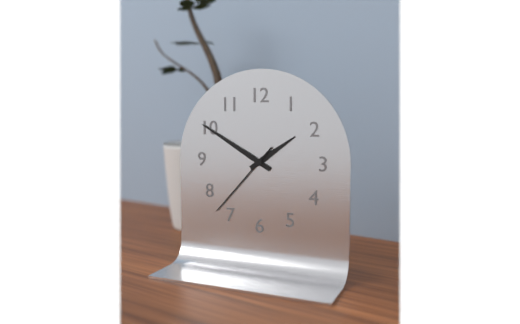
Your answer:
**1:50:37**
